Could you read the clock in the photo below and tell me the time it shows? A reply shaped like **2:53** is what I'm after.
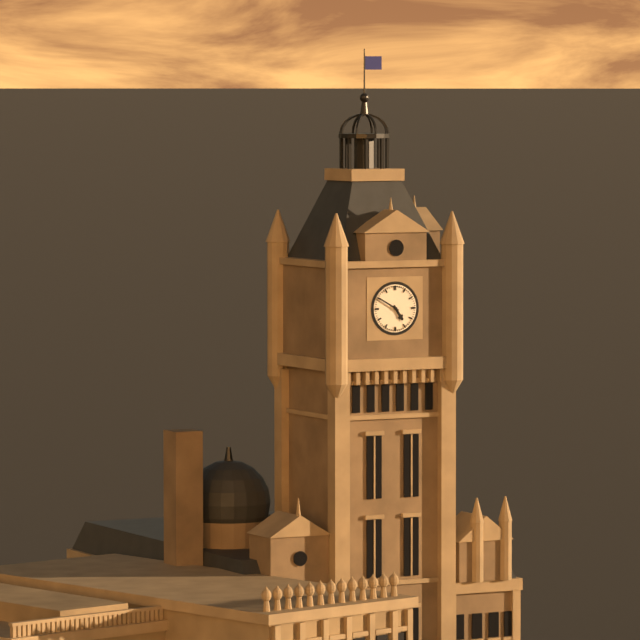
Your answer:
**4:50**
